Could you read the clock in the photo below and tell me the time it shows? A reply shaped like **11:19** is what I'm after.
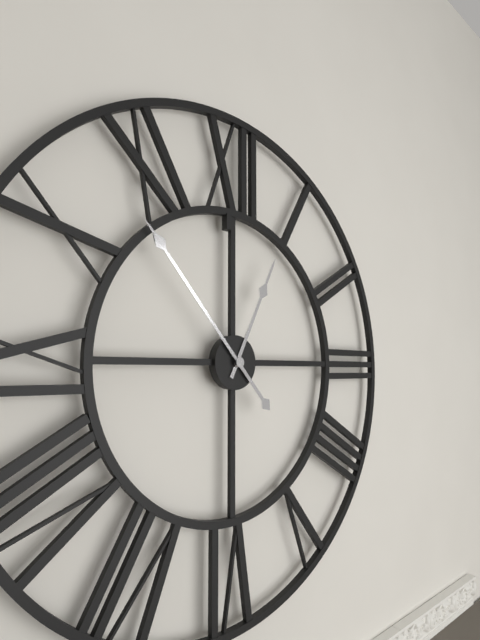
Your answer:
**12:53**
